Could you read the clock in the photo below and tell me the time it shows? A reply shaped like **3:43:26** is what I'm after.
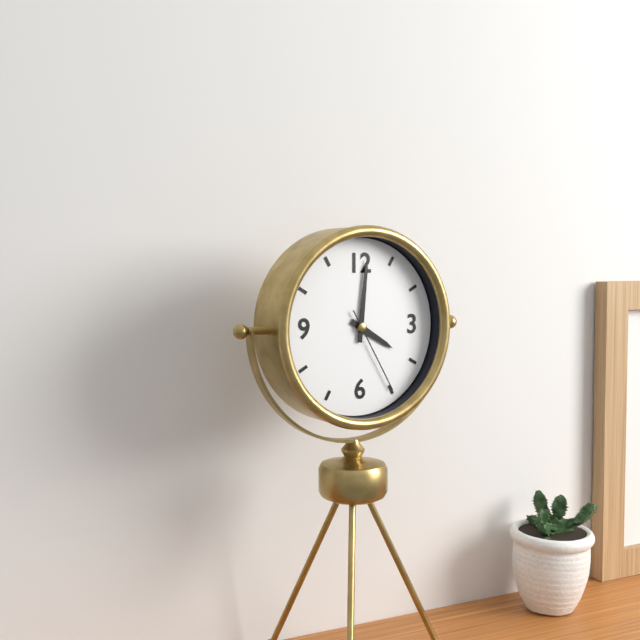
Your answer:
**4:01:25**
